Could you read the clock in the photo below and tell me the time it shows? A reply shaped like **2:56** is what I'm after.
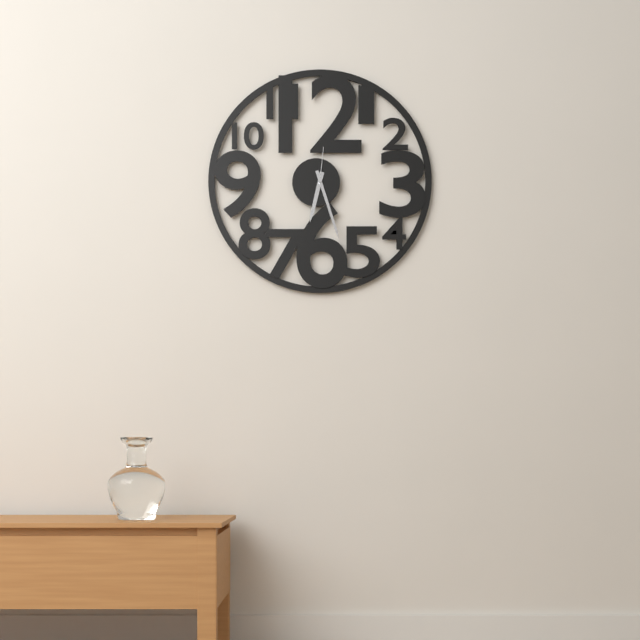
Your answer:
**6:27**
